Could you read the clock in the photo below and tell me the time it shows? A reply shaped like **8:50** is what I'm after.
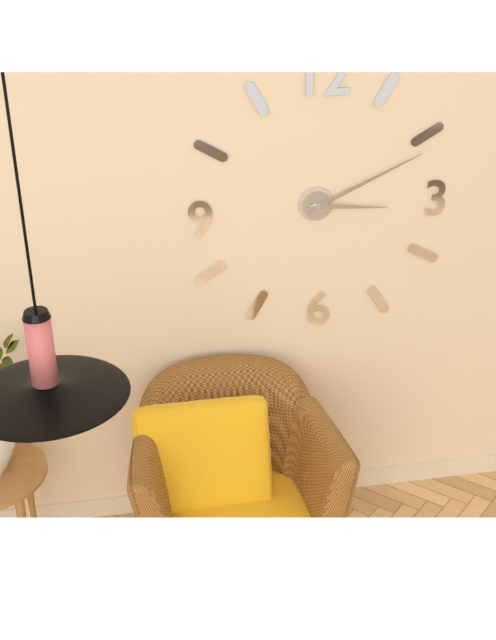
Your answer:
**3:11**
